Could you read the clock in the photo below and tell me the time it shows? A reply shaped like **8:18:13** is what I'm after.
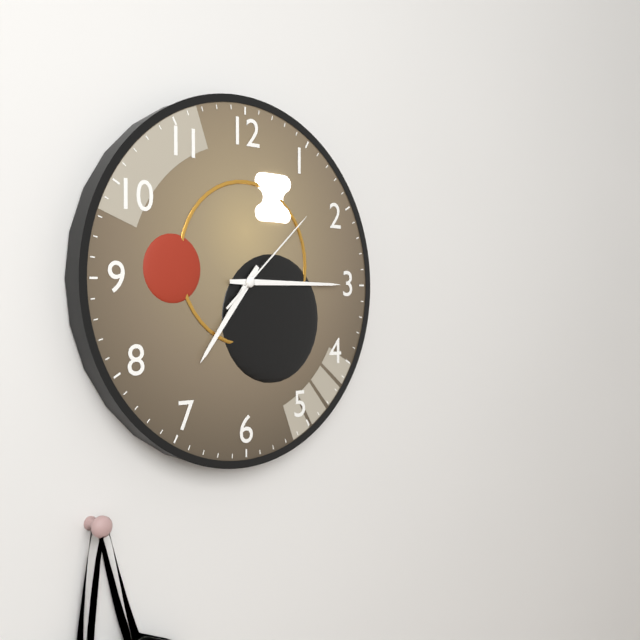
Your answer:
**7:15:08**
